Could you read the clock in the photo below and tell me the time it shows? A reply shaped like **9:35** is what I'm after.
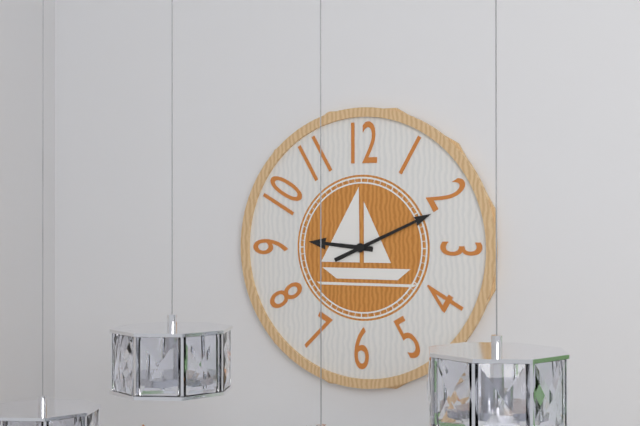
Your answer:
**9:11**
